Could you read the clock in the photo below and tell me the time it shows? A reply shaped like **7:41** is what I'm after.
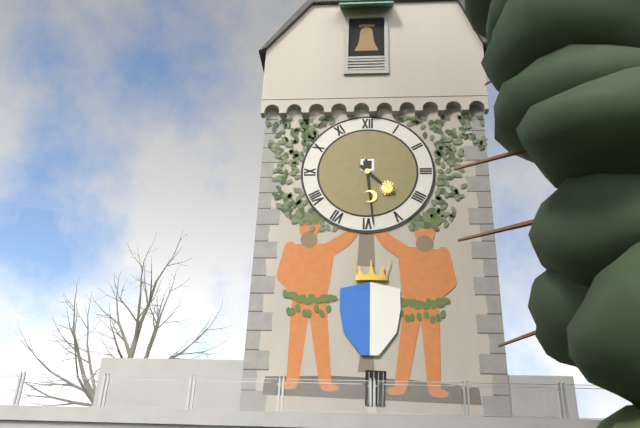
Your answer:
**4:29**
